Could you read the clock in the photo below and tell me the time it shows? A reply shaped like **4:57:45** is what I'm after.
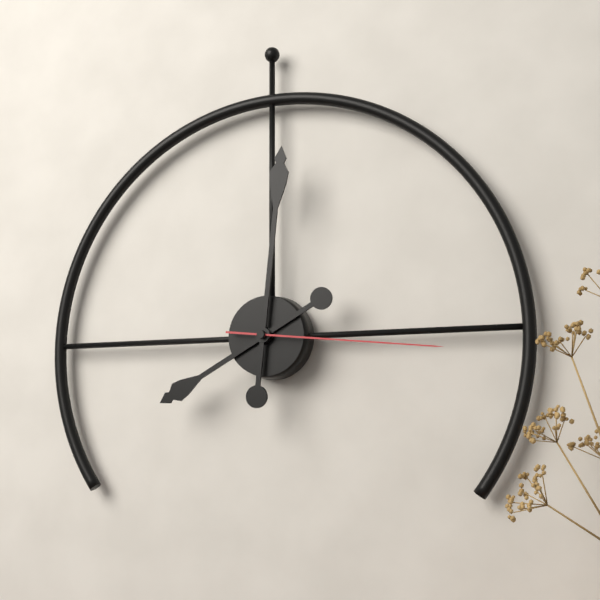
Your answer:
**8:01:16**
